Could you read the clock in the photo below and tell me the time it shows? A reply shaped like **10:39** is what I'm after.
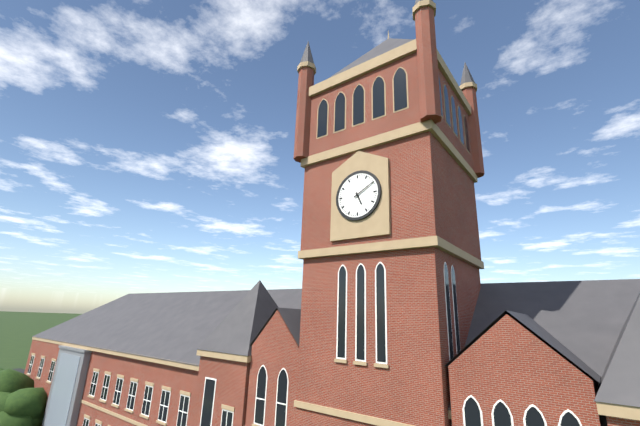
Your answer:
**5:10**
